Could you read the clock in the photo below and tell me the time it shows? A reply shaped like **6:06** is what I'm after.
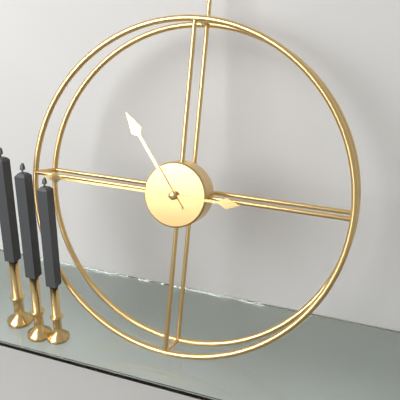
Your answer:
**10:45**
